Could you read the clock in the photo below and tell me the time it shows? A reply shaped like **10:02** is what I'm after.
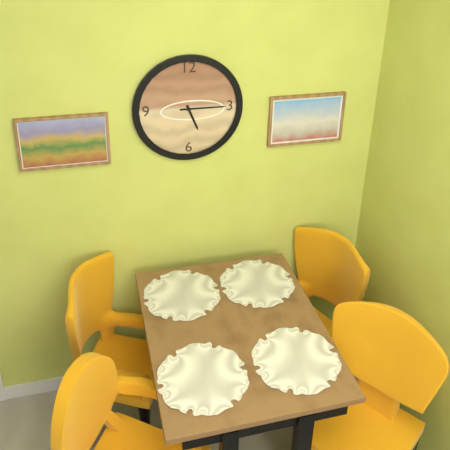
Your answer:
**5:15**
